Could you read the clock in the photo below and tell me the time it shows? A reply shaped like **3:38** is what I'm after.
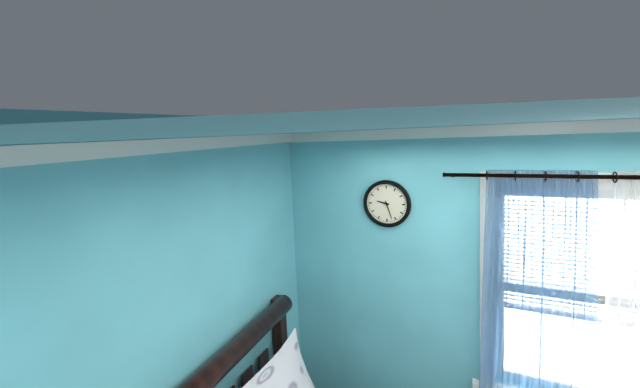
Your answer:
**9:27**
